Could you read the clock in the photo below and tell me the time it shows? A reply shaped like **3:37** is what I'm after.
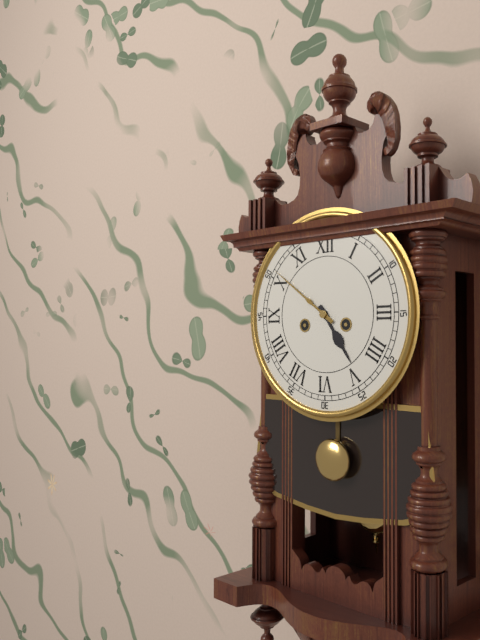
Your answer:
**4:51**
